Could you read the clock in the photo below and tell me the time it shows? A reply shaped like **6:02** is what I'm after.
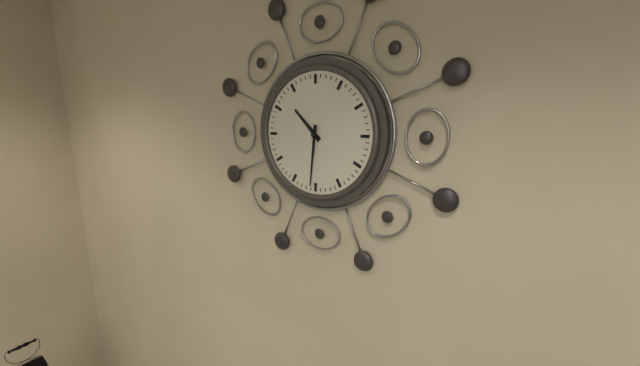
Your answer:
**10:31**
